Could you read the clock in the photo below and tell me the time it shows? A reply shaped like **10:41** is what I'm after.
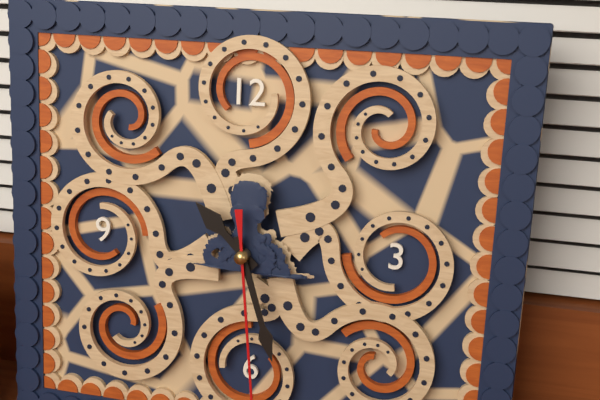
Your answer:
**10:27**
